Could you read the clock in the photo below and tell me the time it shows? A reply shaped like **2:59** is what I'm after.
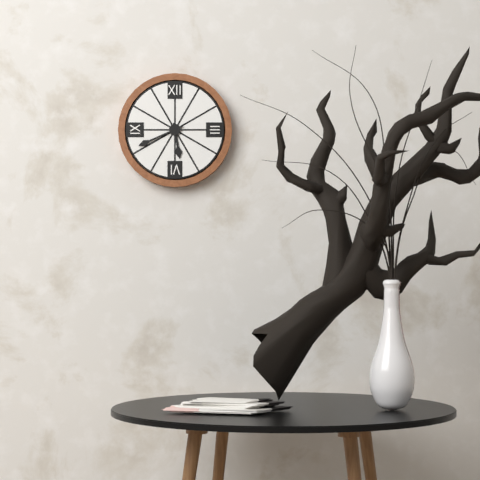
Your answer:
**5:41**
